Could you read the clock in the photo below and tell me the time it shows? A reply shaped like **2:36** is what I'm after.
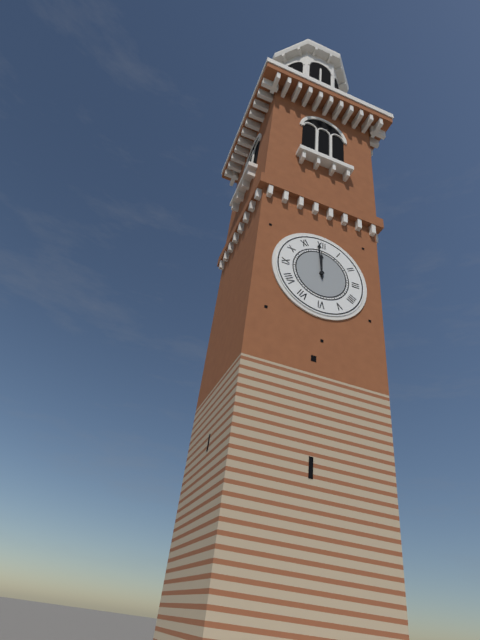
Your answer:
**11:59**
